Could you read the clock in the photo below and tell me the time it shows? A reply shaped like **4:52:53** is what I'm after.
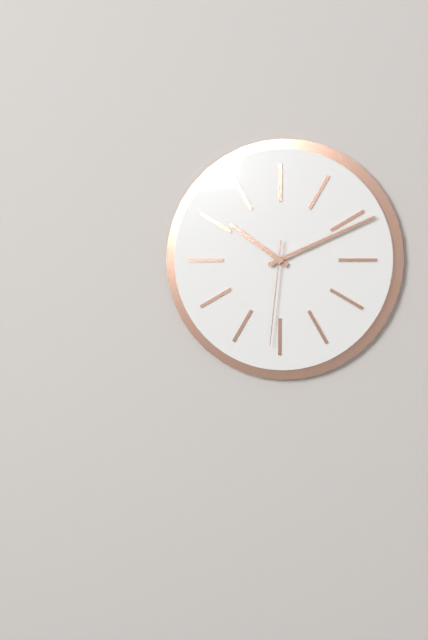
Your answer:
**10:11:31**
